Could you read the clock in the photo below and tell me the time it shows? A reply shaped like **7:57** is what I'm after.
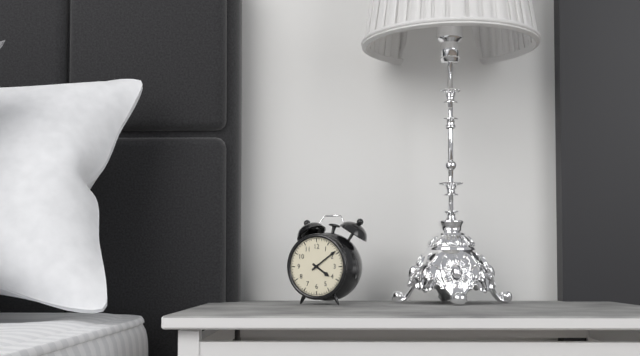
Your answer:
**4:09**
